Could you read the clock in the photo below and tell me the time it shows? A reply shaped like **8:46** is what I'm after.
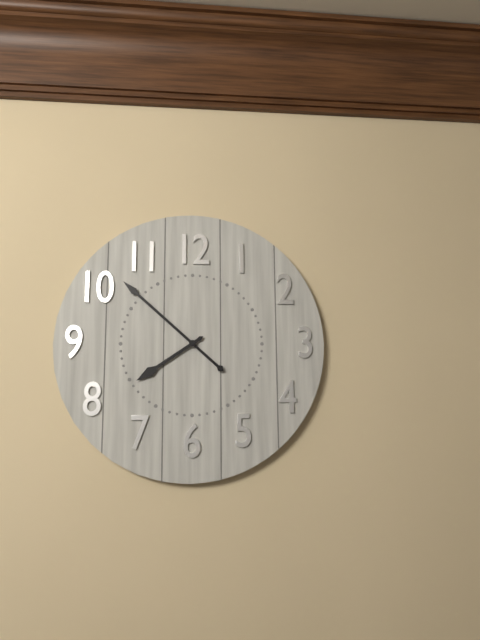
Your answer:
**7:52**
